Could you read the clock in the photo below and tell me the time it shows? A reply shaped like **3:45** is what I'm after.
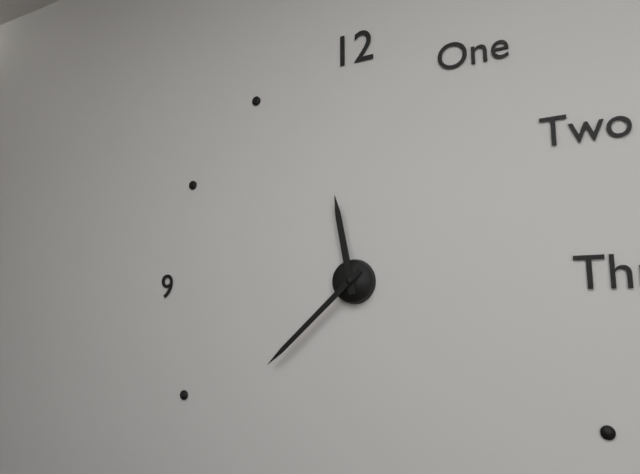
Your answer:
**11:38**
